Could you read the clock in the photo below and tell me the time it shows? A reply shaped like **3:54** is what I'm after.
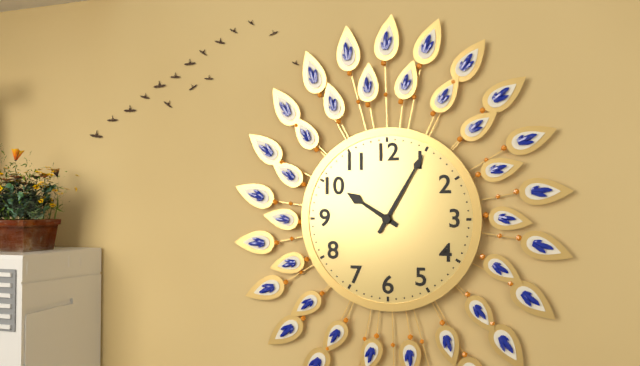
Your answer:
**10:05**
